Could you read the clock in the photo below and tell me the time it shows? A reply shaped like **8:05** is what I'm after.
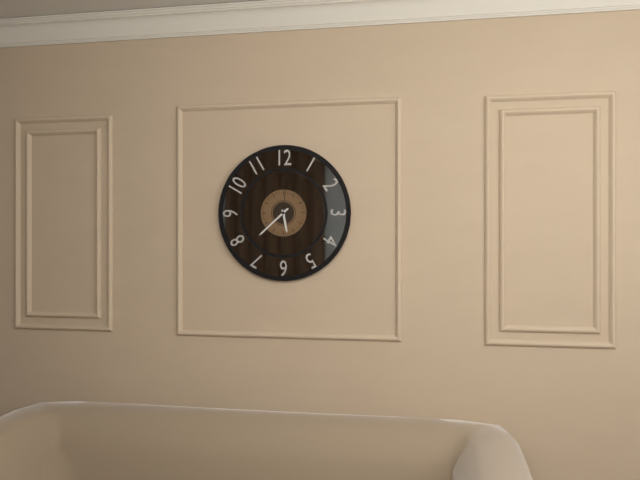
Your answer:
**5:38**
